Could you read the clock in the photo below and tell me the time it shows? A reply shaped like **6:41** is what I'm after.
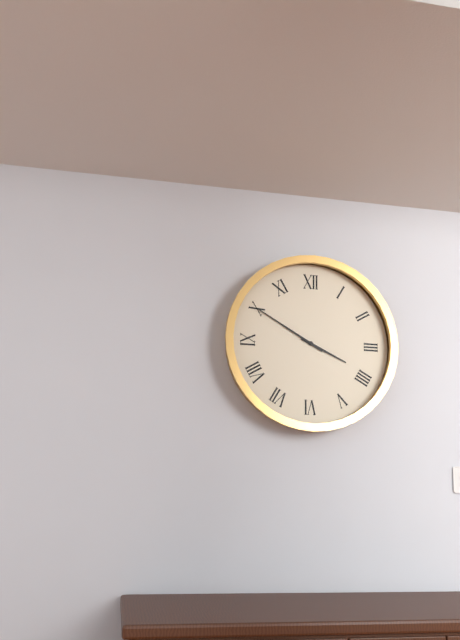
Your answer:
**3:50**
